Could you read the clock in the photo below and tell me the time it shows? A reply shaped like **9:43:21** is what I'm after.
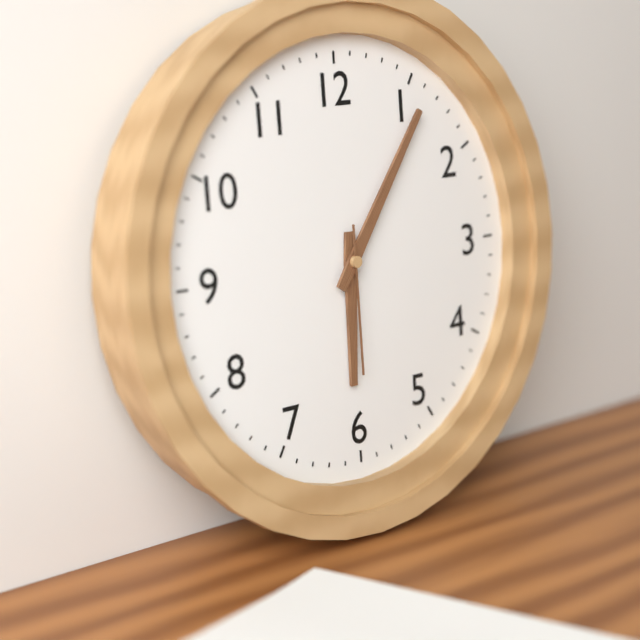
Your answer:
**6:06:30**
